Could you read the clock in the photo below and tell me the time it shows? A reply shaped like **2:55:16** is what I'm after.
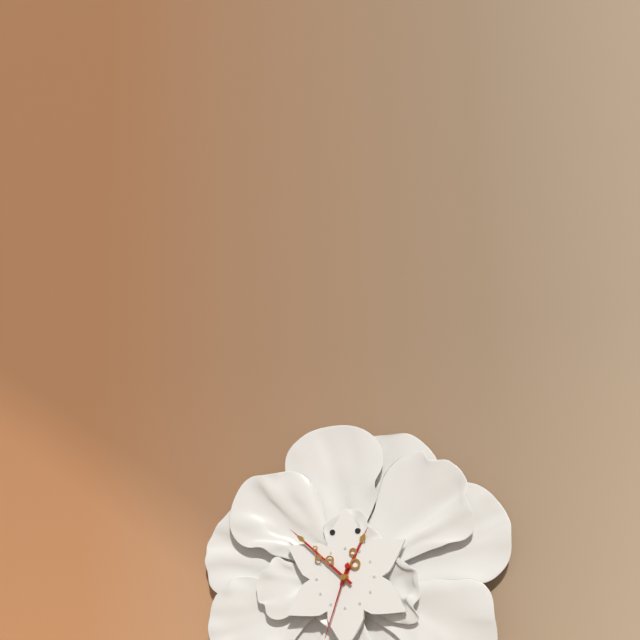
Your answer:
**12:52:33**
